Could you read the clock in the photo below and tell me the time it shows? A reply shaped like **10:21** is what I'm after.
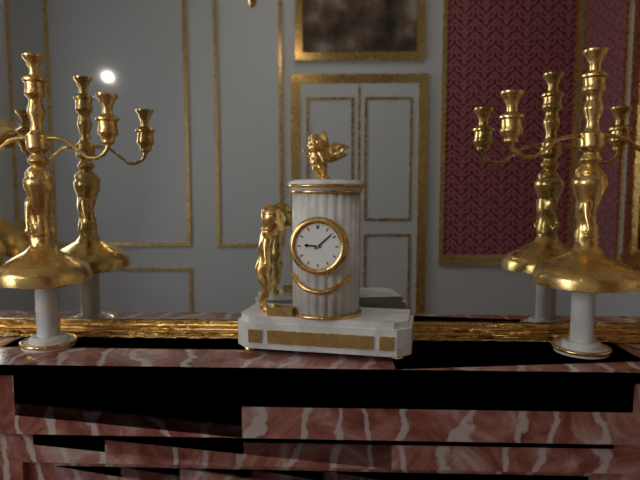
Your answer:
**9:08**
